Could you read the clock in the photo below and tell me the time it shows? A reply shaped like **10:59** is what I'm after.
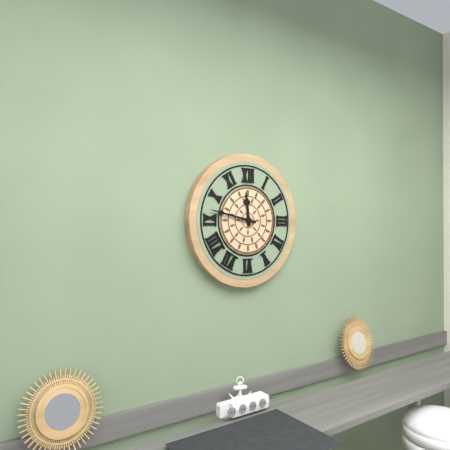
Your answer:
**11:47**
